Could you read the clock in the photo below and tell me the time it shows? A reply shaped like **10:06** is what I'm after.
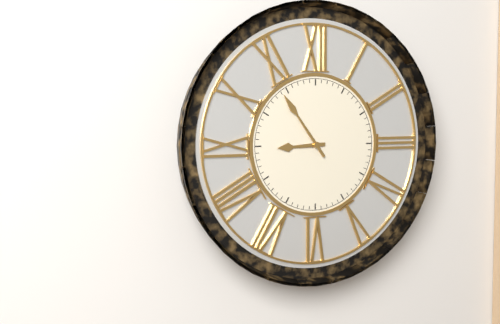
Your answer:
**8:54**
